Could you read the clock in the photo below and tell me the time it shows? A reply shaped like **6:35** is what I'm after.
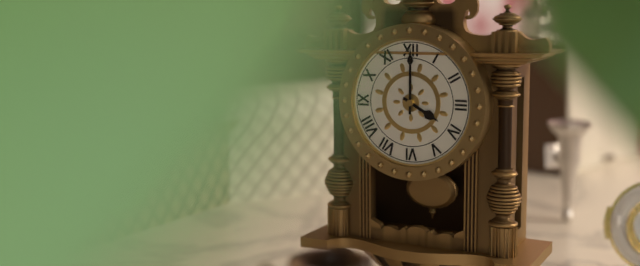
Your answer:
**4:00**
